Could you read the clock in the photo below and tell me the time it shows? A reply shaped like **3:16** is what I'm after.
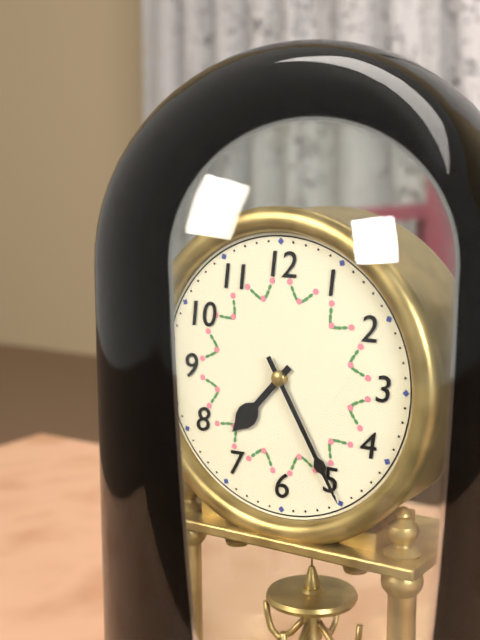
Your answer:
**7:25**
